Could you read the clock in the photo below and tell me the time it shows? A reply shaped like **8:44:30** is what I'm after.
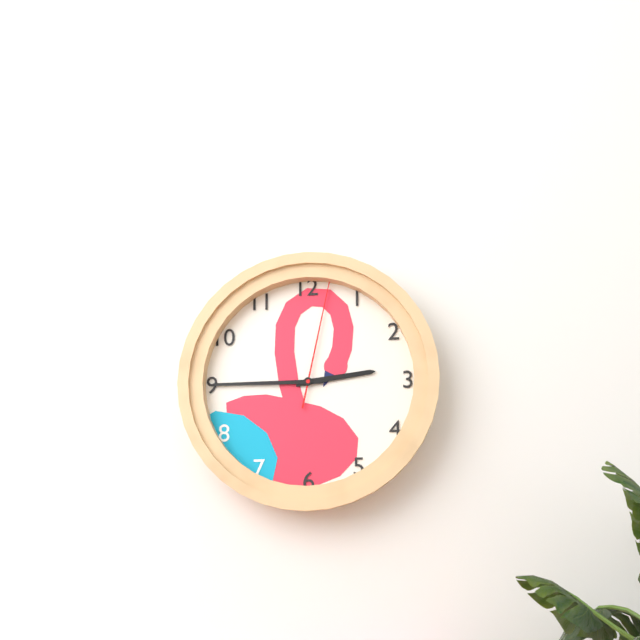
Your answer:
**2:45:02**
